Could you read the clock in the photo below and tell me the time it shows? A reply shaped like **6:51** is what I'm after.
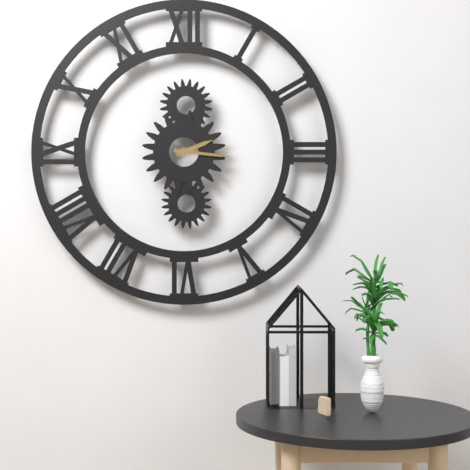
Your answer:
**2:16**
